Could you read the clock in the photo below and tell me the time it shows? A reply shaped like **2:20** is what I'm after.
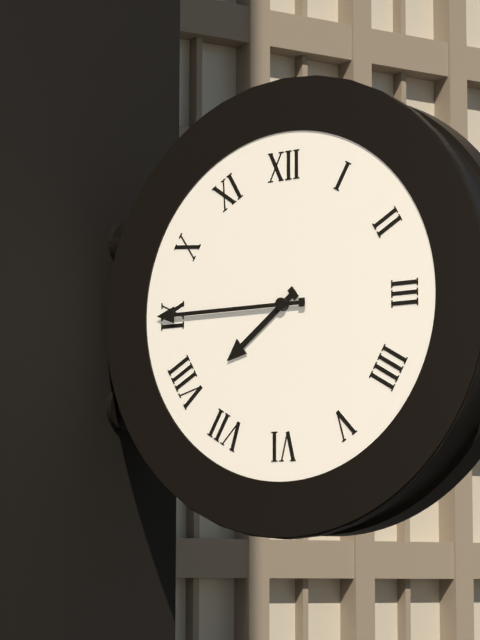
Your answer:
**7:45**
